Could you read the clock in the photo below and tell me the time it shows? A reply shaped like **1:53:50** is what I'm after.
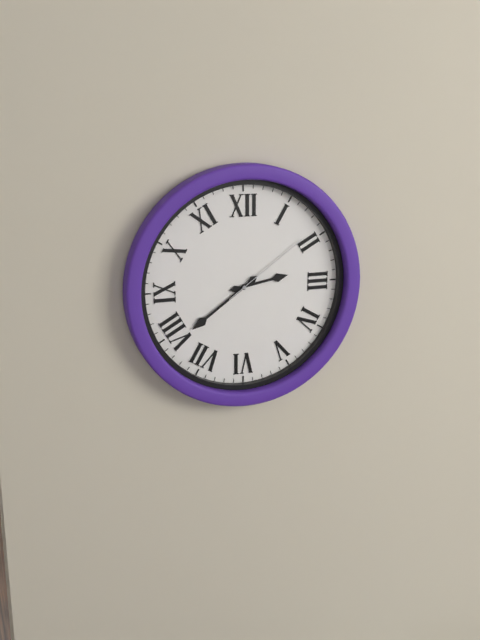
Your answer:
**2:39:09**
